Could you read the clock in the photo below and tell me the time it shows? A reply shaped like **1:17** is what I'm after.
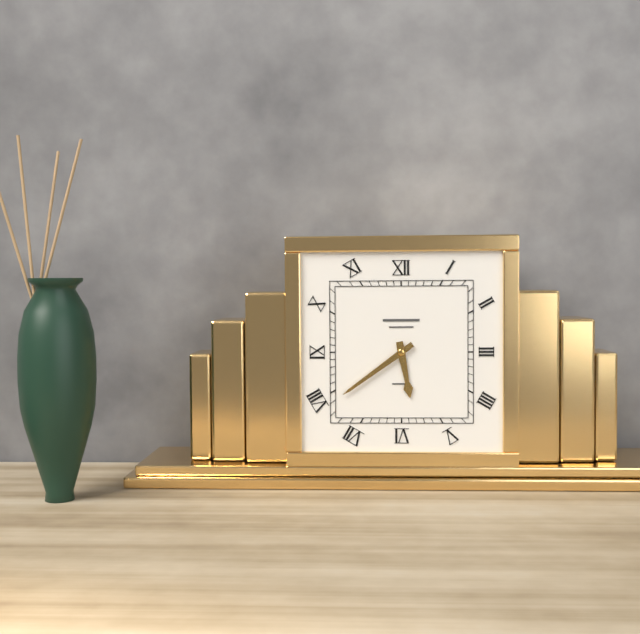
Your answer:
**5:39**
